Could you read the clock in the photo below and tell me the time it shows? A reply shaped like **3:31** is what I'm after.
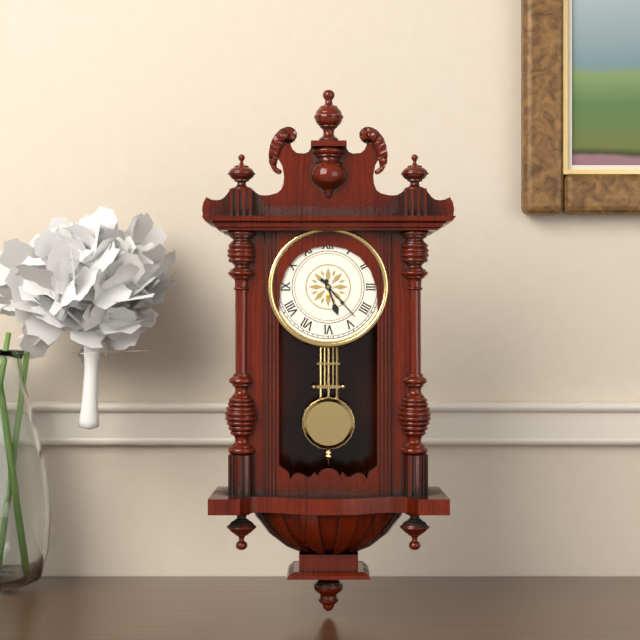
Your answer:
**5:23**
